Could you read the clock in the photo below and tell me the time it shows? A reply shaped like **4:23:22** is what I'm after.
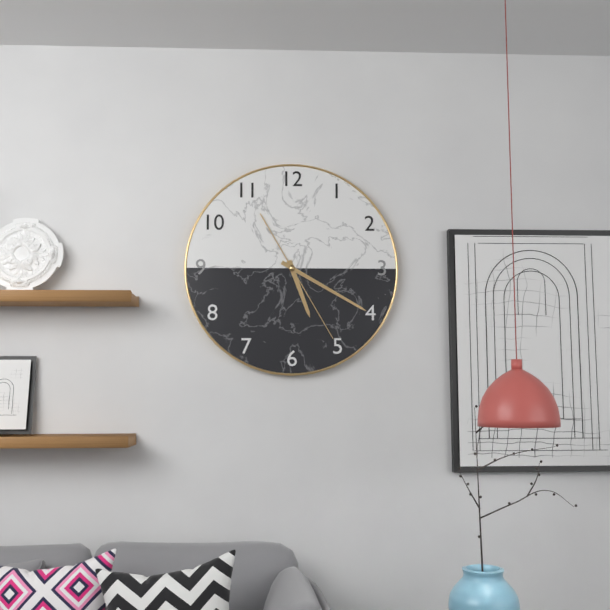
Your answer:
**5:20:25**
